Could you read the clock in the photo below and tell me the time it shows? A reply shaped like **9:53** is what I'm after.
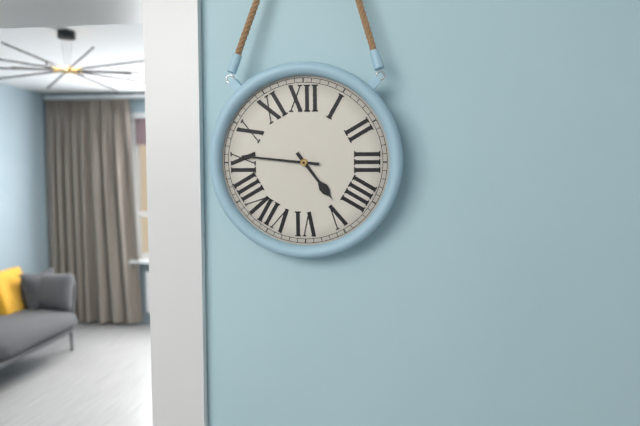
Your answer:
**4:46**
